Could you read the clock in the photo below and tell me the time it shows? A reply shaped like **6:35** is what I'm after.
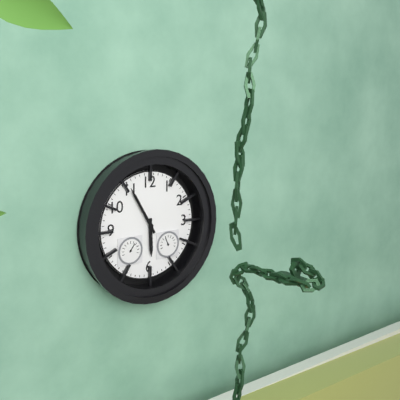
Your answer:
**5:55**
